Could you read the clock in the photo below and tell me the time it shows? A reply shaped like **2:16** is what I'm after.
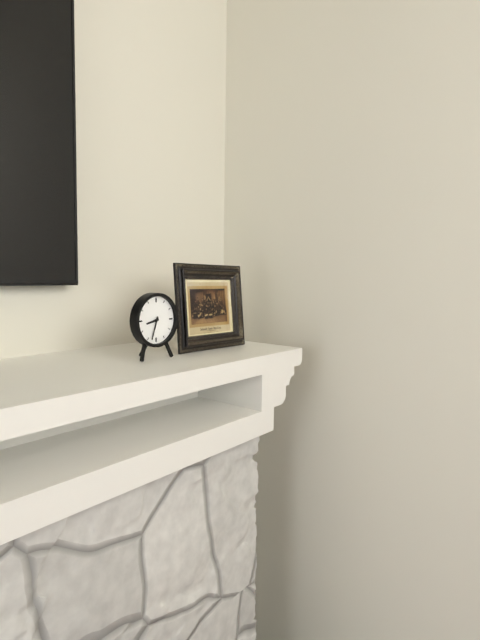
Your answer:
**8:33**
